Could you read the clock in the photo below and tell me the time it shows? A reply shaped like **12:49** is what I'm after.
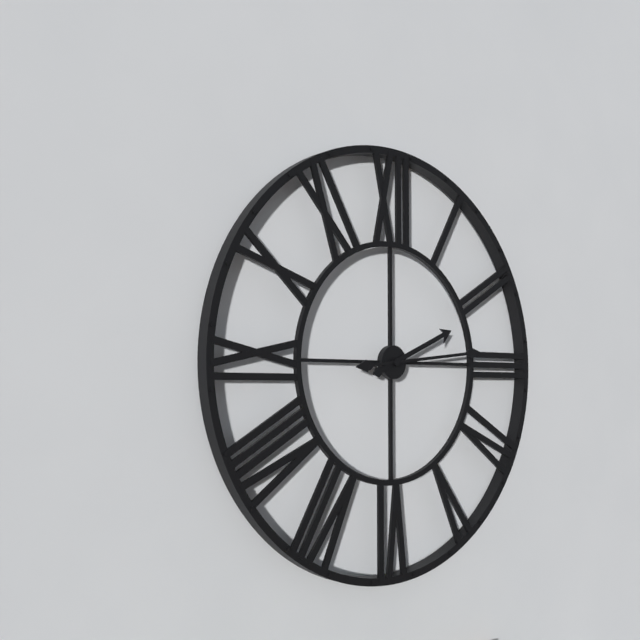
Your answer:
**2:14**
